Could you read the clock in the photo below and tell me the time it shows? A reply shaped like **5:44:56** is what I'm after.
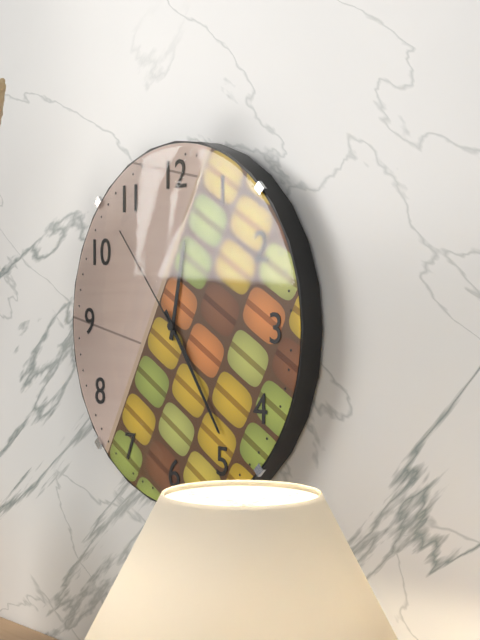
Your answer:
**12:24:53**
